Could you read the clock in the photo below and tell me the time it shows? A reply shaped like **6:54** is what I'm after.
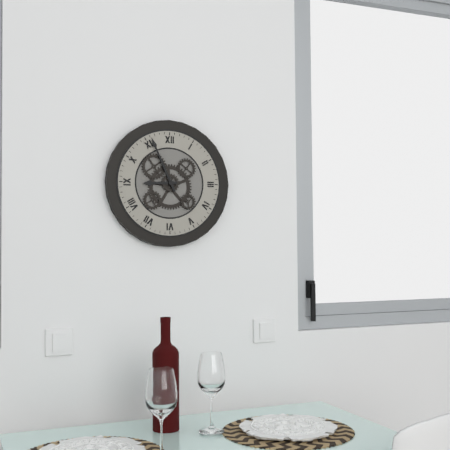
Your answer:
**8:56**
